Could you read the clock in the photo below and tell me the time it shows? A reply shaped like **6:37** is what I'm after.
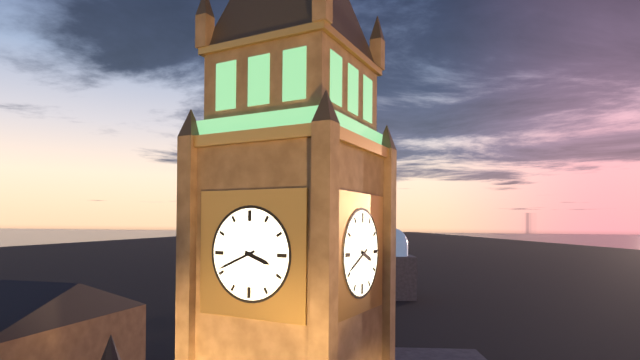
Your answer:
**3:41**
